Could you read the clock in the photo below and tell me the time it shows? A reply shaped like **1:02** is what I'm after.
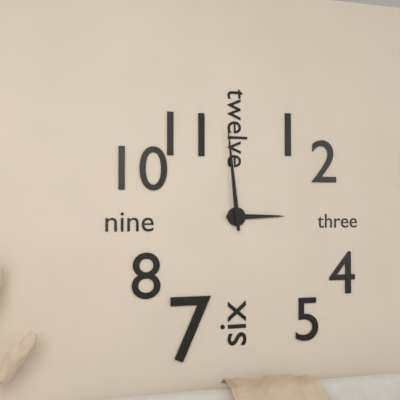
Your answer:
**2:59**
